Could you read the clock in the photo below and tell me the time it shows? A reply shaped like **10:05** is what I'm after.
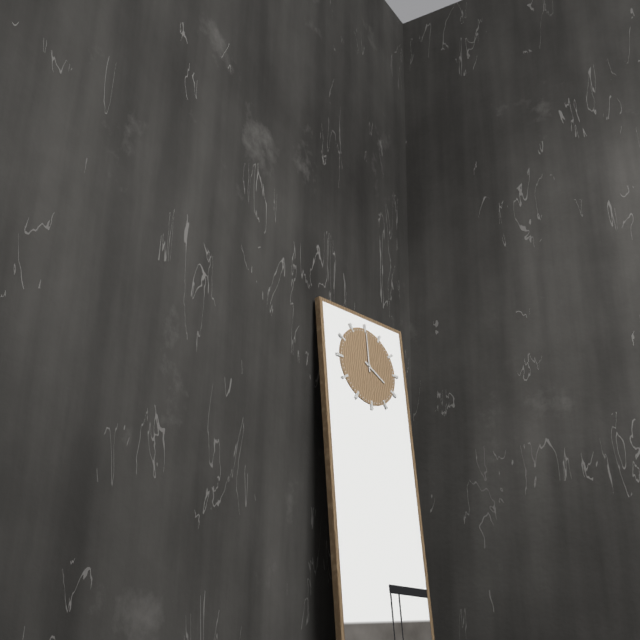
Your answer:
**4:00**
